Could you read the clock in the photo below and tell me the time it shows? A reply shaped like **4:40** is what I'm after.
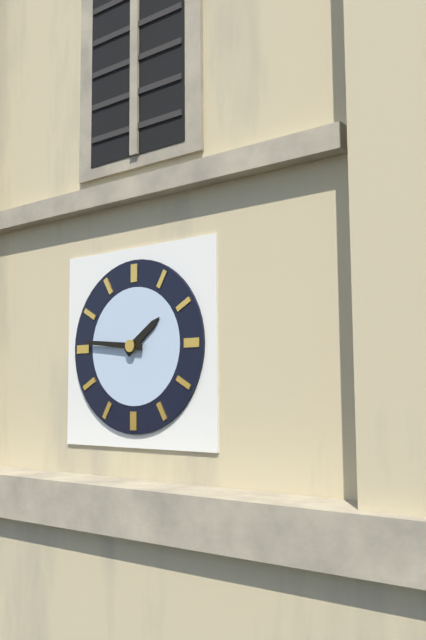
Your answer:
**1:46**
